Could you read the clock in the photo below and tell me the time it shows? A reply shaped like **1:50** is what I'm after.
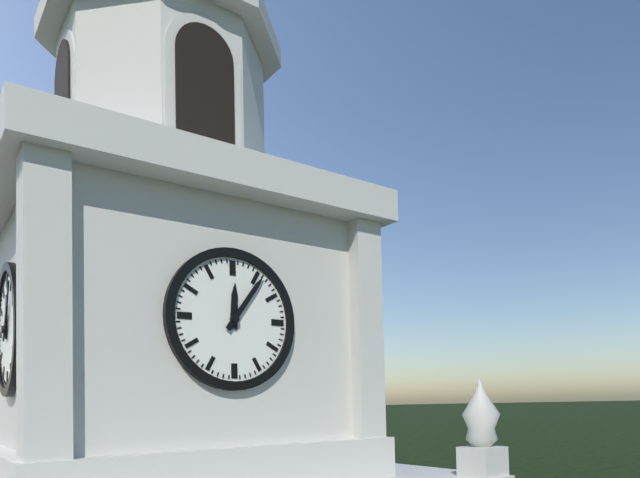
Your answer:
**12:06**
